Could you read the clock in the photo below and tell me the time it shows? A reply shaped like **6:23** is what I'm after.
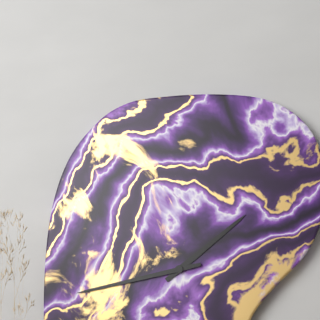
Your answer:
**1:43**
